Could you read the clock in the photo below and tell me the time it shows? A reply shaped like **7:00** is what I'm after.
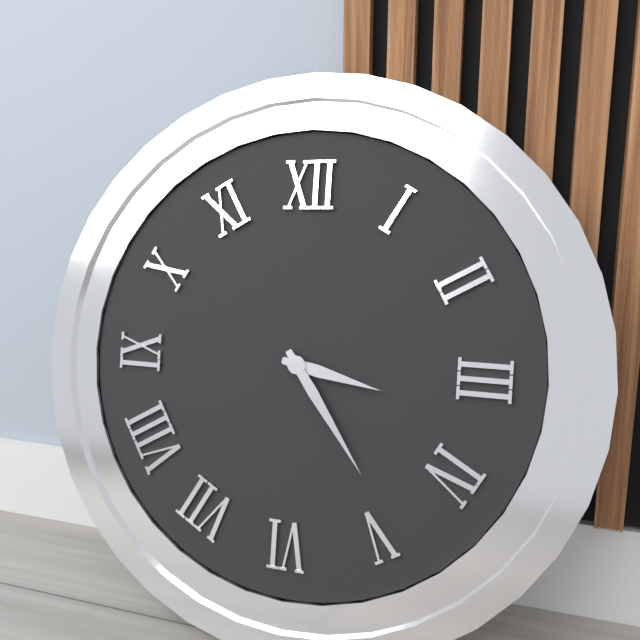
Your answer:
**3:24**
